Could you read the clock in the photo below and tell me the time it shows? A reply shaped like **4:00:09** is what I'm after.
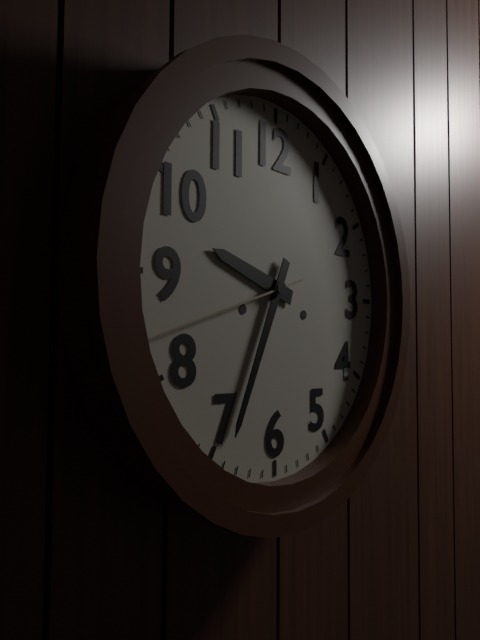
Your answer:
**9:34:42**
